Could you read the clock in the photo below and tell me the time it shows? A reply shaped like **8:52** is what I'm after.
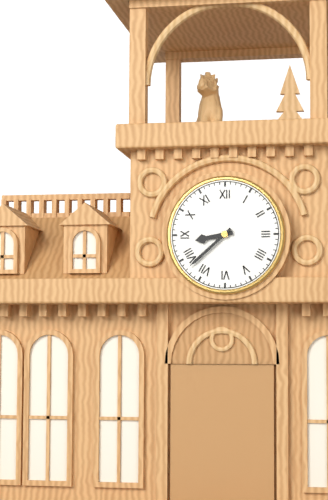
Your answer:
**8:38**
